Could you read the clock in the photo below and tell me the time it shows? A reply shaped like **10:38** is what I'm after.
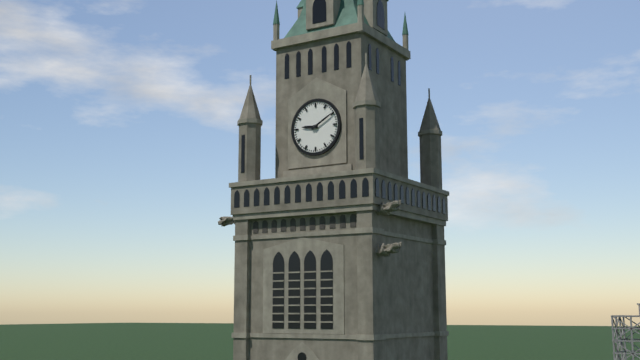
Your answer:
**9:10**
